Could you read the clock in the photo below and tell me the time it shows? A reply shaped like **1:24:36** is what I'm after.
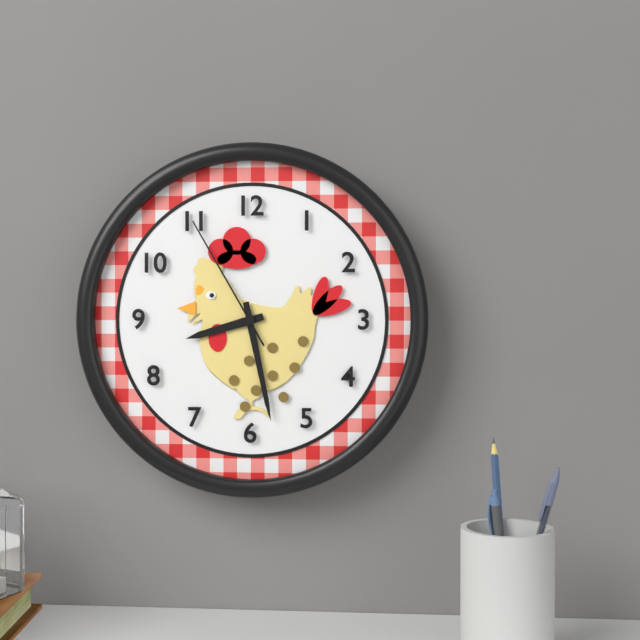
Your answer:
**8:28:55**
